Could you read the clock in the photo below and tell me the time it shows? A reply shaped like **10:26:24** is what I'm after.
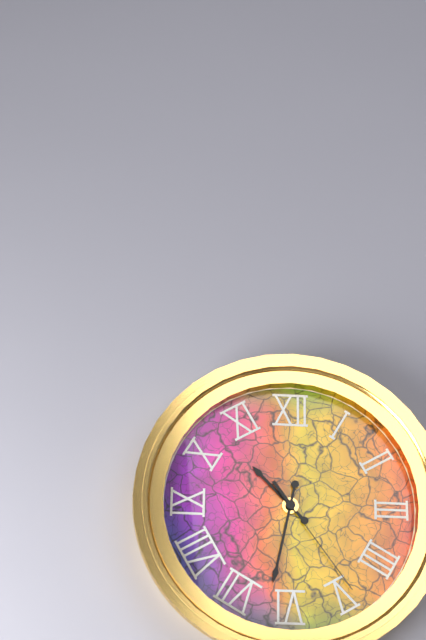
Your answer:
**10:32:24**
